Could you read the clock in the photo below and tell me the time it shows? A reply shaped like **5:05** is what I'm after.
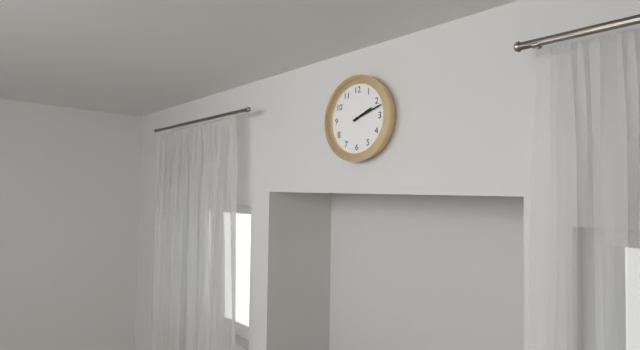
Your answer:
**2:12**
